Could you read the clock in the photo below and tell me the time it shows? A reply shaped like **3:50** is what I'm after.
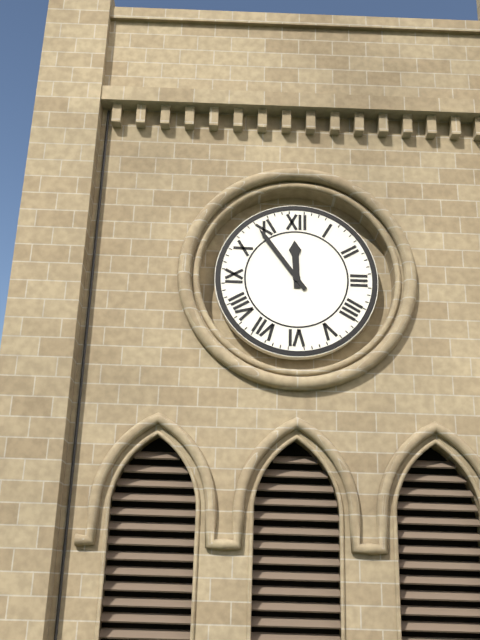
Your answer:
**11:54**
